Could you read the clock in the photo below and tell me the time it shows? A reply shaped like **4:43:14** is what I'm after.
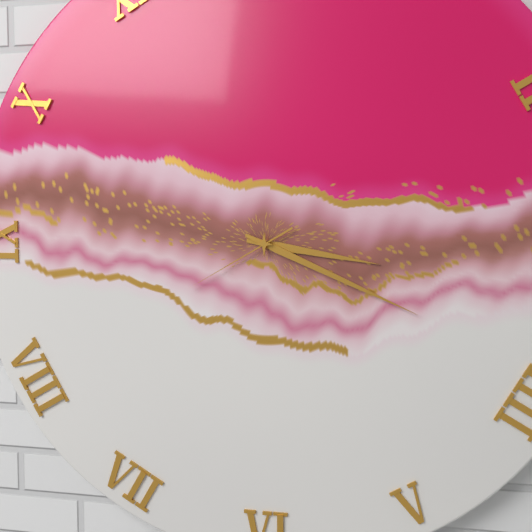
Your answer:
**3:19:40**
